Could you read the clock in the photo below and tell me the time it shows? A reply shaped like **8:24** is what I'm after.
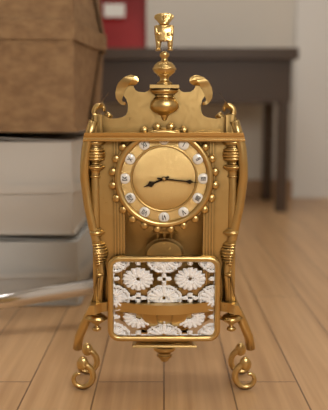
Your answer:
**8:16**
